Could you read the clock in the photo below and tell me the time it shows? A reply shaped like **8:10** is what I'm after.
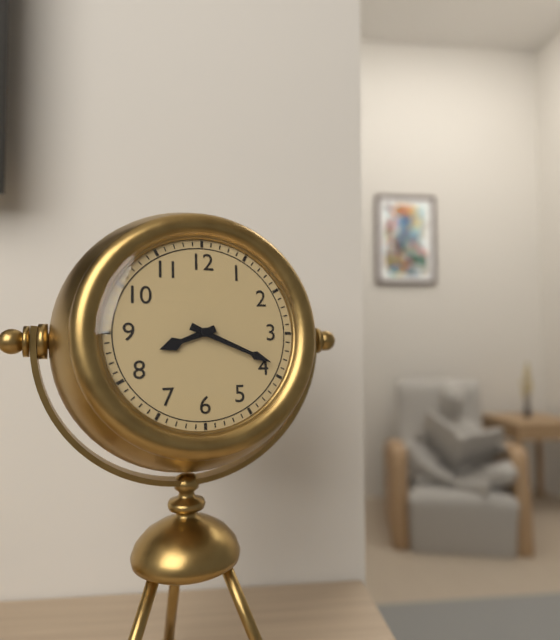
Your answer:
**8:19**
